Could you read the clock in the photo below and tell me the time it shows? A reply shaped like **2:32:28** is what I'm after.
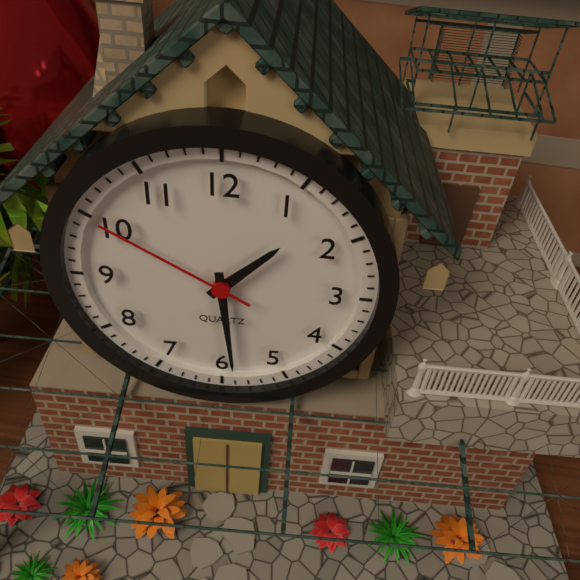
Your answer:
**1:29:50**
